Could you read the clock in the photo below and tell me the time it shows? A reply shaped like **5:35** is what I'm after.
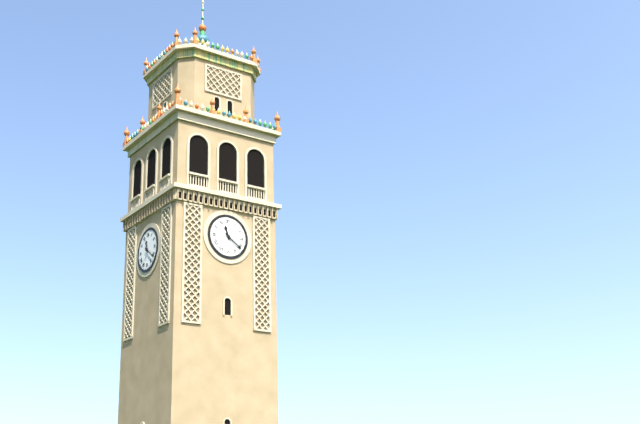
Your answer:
**11:21**
